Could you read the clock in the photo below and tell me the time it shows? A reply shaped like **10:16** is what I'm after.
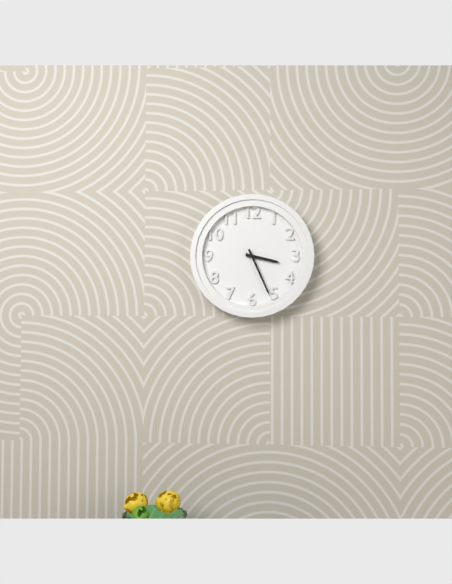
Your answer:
**3:26**
